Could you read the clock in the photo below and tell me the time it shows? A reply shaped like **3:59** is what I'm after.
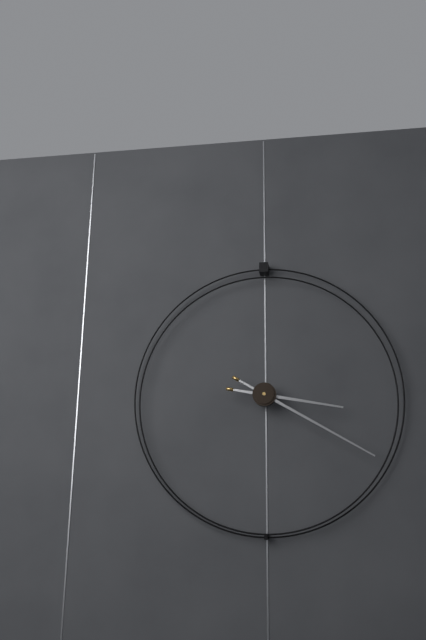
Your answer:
**3:20**
